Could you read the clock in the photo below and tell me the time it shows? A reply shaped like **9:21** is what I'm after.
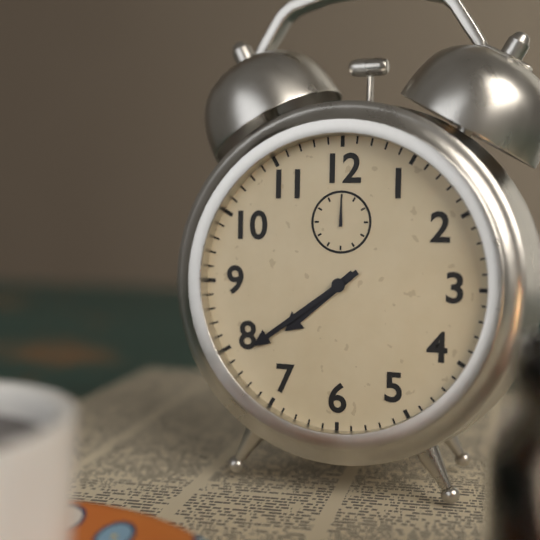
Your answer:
**7:39**
